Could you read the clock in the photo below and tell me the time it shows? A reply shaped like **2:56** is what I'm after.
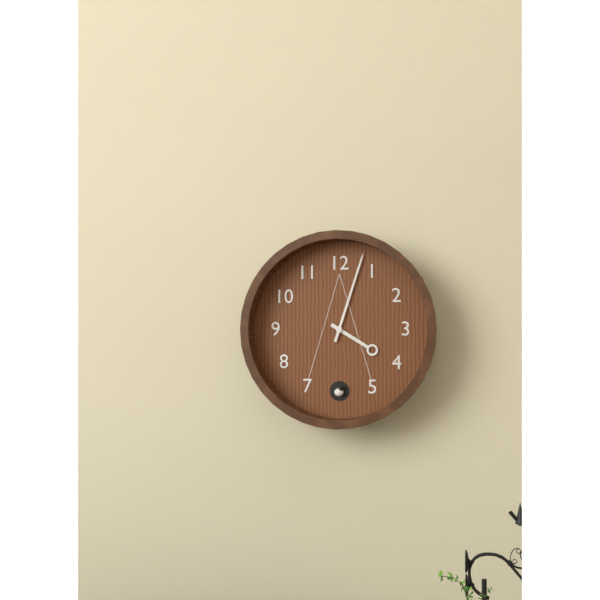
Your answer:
**4:03**
